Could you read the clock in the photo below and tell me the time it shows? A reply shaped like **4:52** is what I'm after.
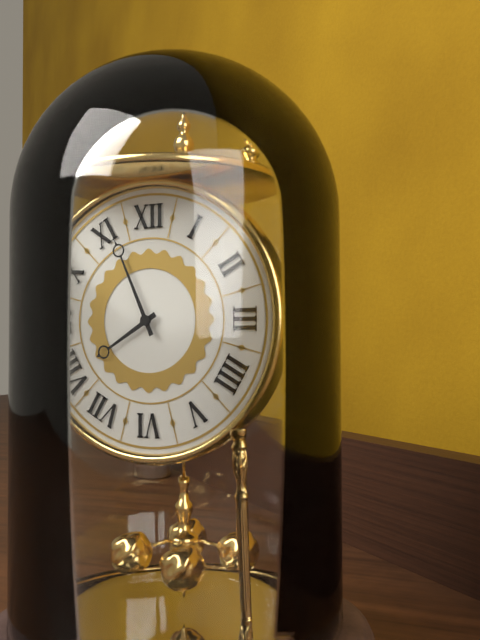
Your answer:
**7:56**
